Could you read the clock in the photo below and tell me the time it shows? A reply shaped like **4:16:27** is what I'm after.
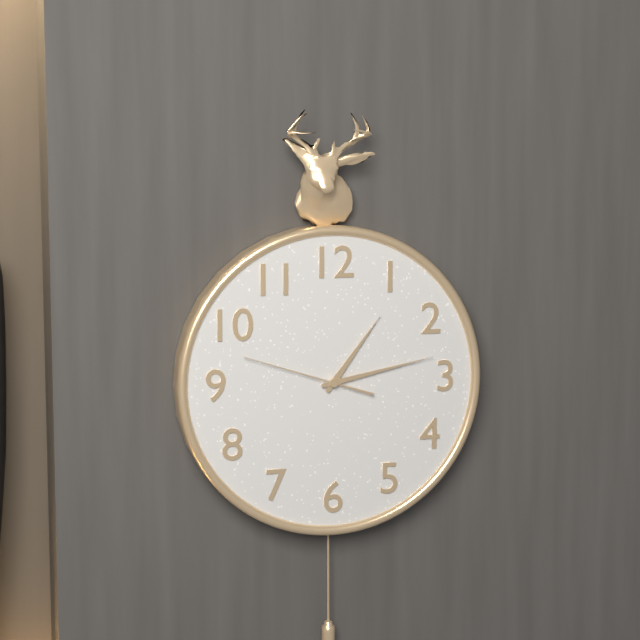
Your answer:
**1:13:48**
